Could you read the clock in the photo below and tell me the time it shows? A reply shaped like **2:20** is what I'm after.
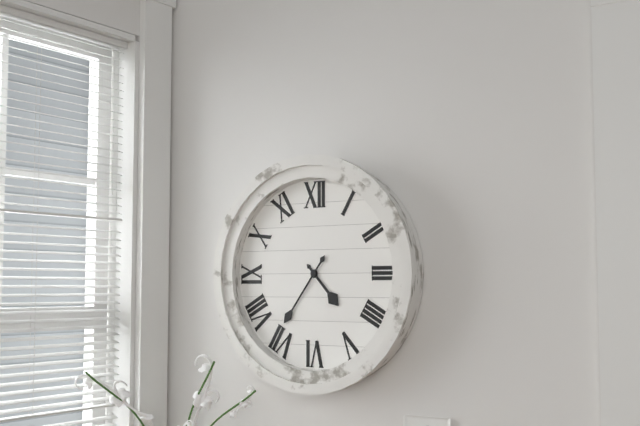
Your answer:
**4:36**
